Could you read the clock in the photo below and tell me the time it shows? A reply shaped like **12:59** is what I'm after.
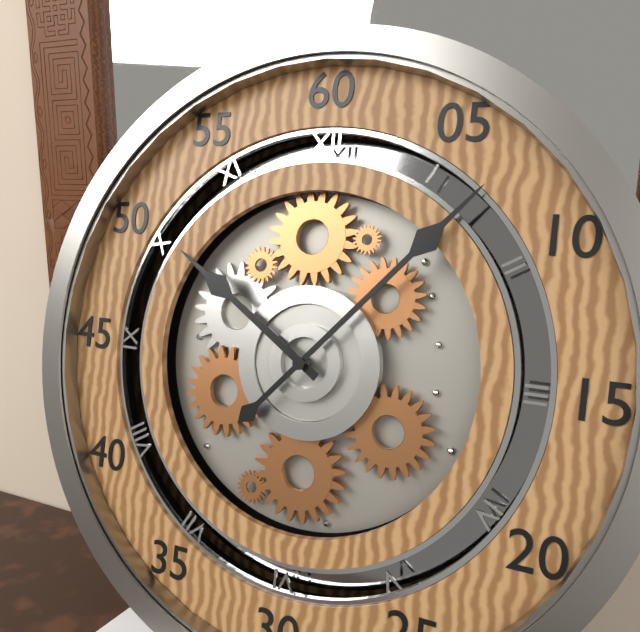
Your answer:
**10:07**
